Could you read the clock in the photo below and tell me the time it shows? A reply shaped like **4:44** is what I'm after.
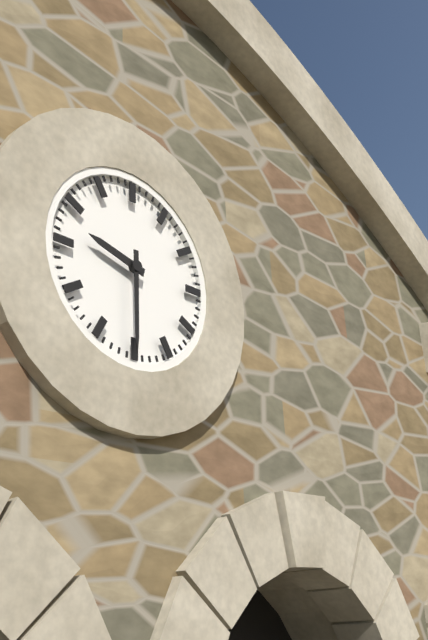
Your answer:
**9:30**
